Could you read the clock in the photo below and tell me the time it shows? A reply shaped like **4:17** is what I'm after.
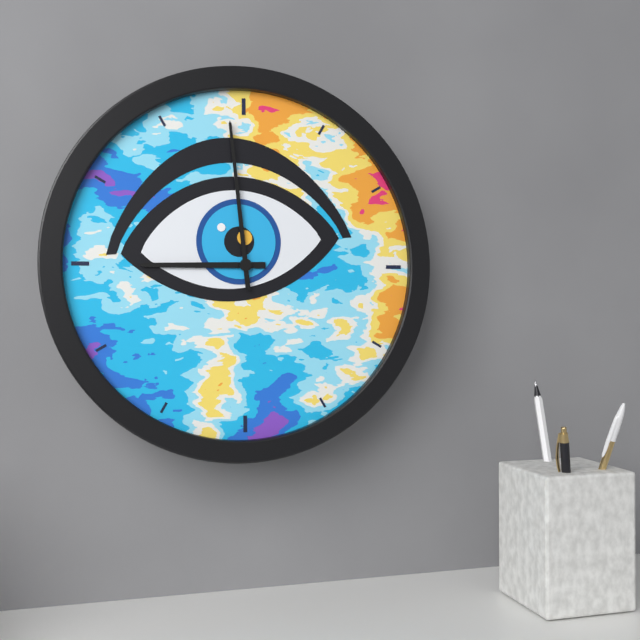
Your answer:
**8:59**
